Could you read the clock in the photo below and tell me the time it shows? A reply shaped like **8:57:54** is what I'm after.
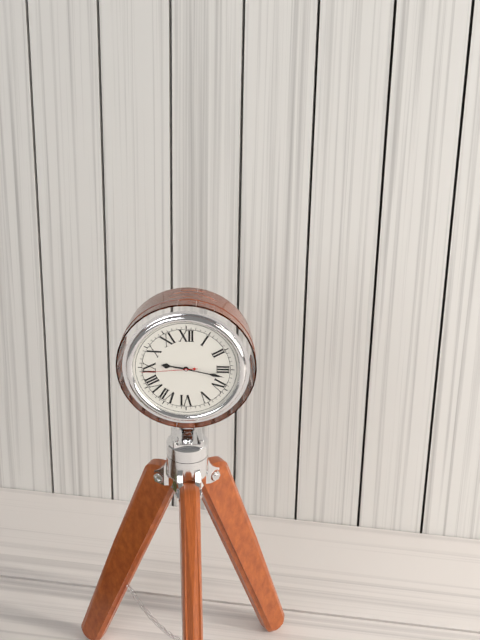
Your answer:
**9:17:44**
